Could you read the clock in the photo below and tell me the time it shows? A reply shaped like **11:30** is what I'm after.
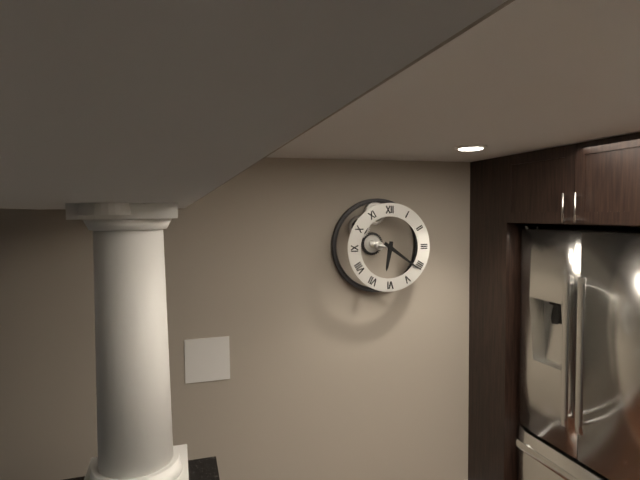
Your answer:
**6:21**
